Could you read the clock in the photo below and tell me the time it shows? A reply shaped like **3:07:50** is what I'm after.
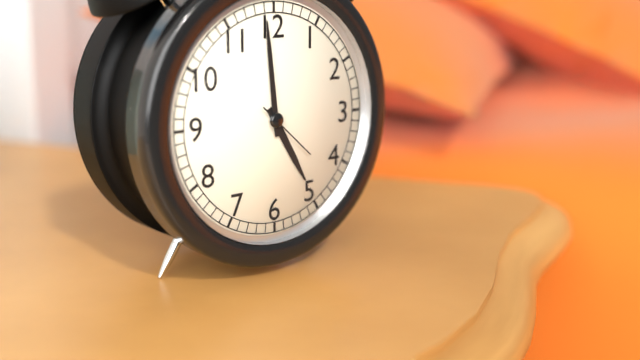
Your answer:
**4:59:22**
